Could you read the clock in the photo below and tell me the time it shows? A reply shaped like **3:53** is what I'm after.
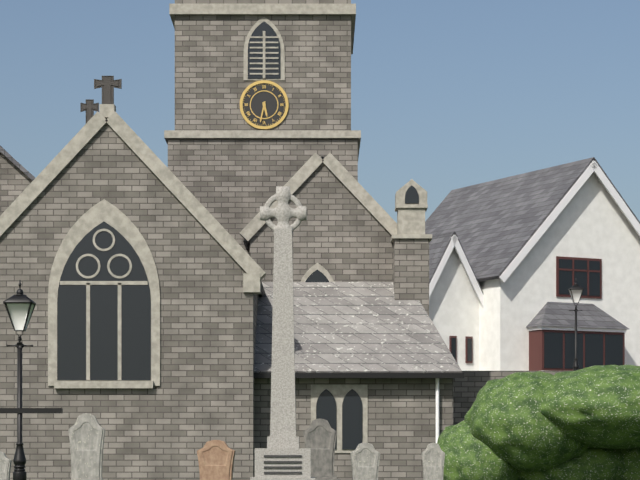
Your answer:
**5:32**
